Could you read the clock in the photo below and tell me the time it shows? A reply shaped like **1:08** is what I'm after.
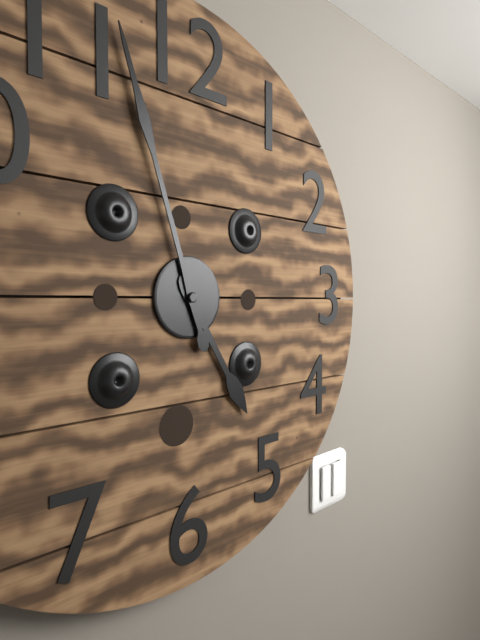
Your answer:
**4:57**
